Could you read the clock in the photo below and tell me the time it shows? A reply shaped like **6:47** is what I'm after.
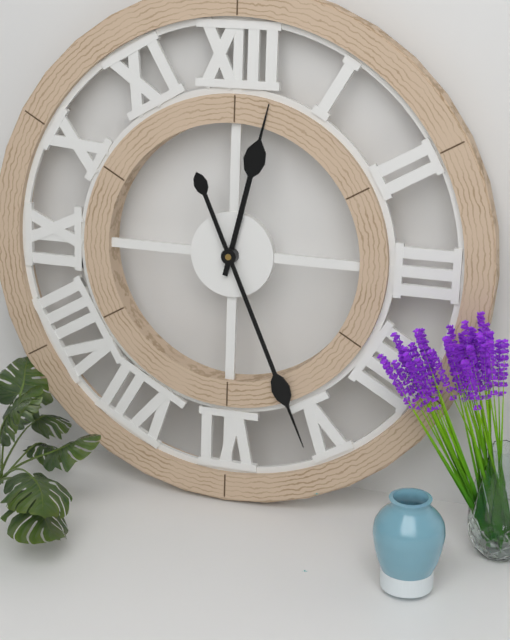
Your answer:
**12:26**
